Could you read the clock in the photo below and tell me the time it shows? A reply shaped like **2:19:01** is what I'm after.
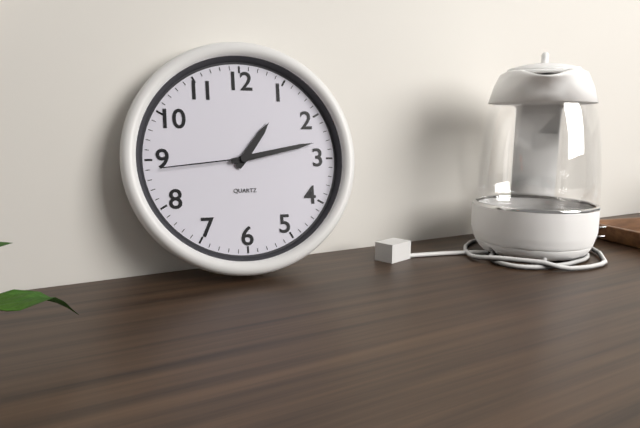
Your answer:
**1:13:44**
